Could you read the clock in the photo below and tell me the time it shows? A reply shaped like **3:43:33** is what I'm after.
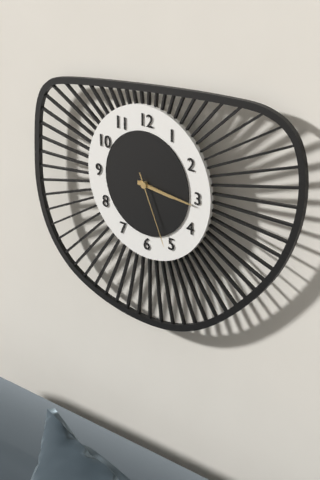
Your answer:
**3:16:26**
